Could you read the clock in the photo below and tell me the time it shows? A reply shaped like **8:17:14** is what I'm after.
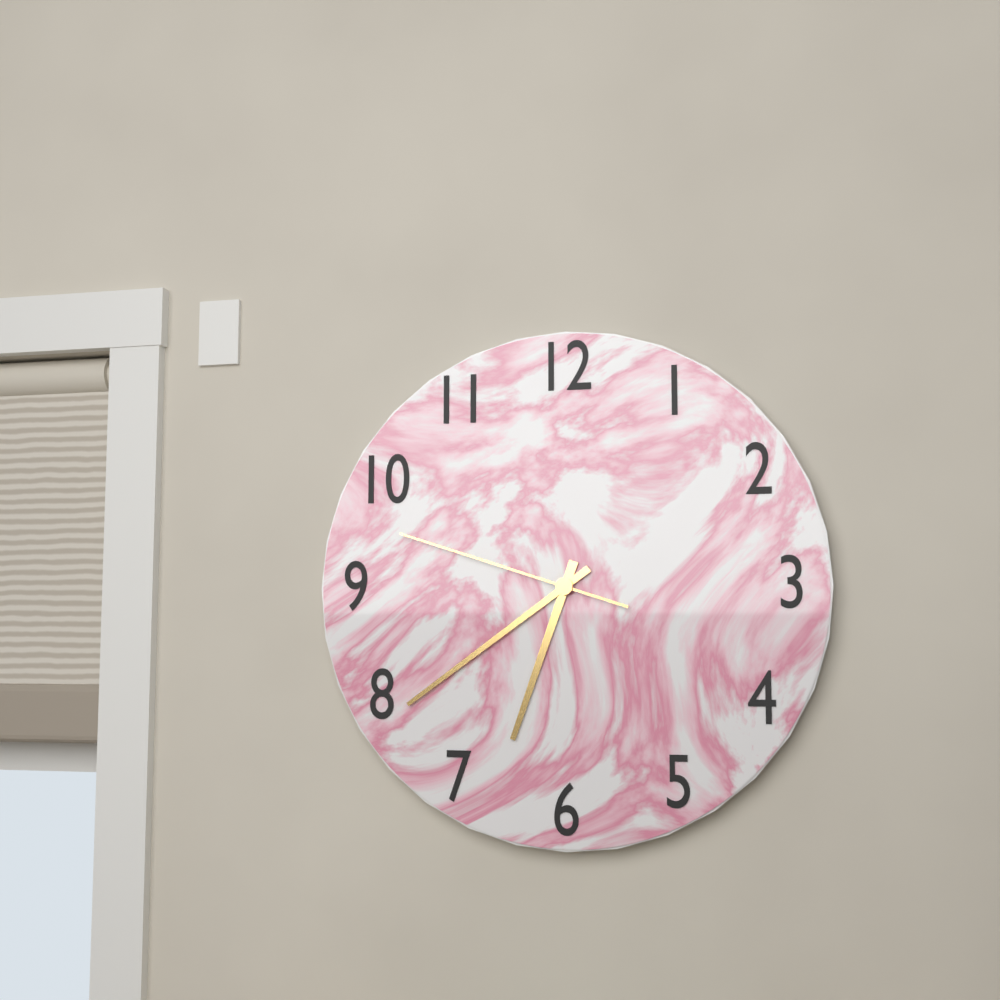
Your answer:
**6:39:48**
